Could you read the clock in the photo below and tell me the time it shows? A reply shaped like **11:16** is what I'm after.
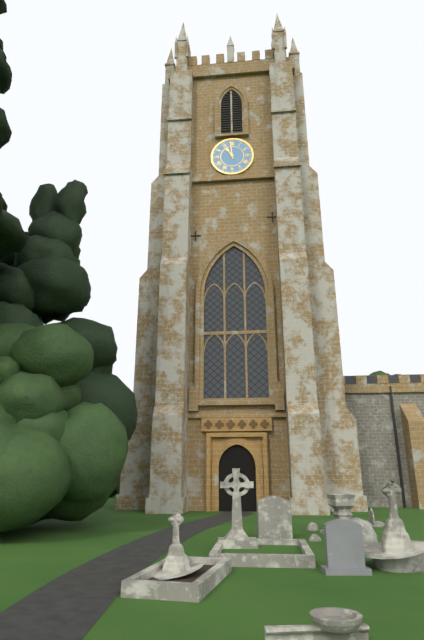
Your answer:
**10:59**
